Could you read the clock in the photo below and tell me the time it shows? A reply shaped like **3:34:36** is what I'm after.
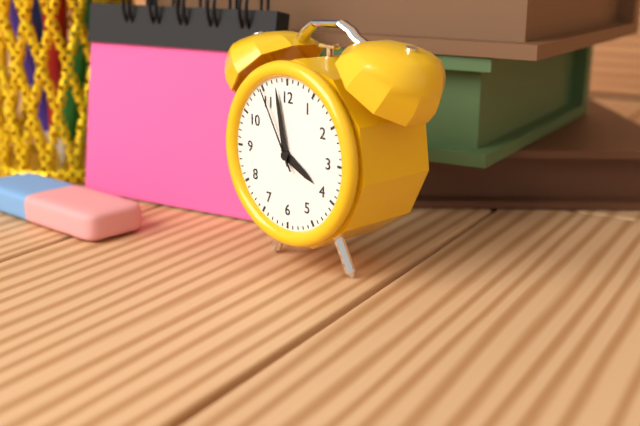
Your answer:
**3:58:55**
